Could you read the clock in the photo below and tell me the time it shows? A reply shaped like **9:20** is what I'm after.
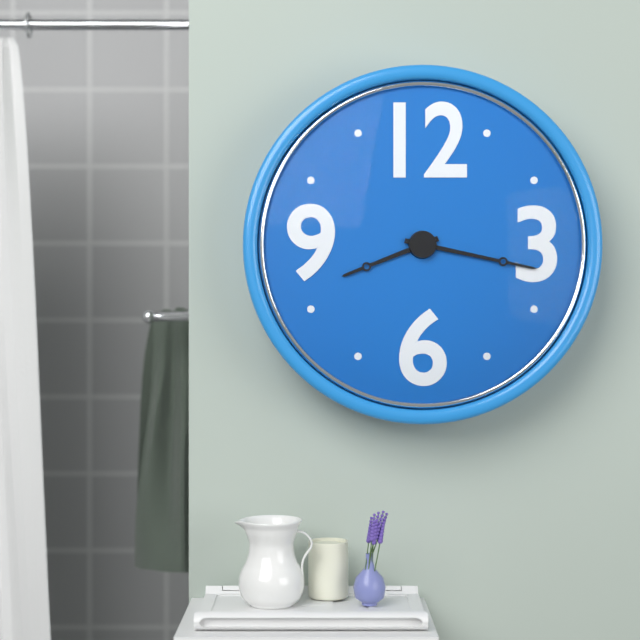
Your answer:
**8:17**
